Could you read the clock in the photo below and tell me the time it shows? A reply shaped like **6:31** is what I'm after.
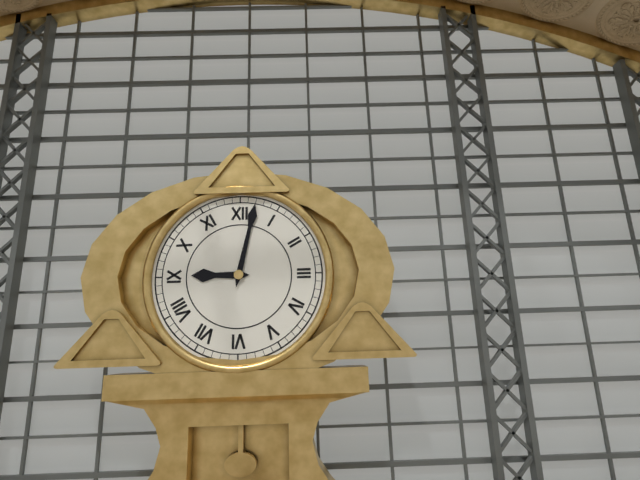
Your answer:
**9:02**
